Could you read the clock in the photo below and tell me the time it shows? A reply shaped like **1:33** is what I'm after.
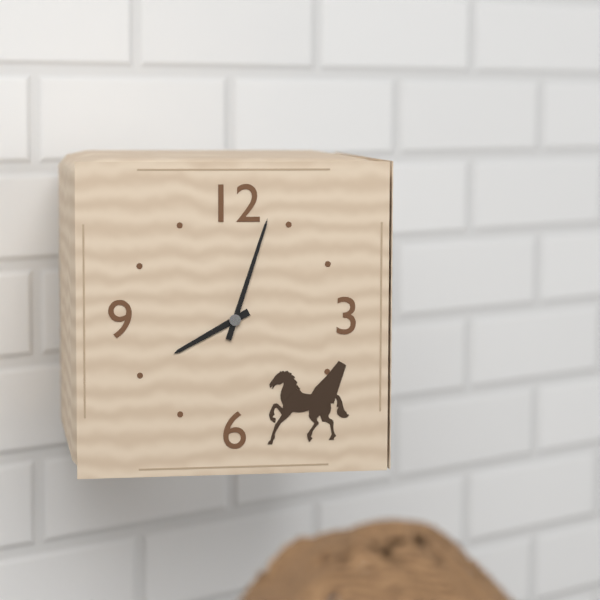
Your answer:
**8:03**
